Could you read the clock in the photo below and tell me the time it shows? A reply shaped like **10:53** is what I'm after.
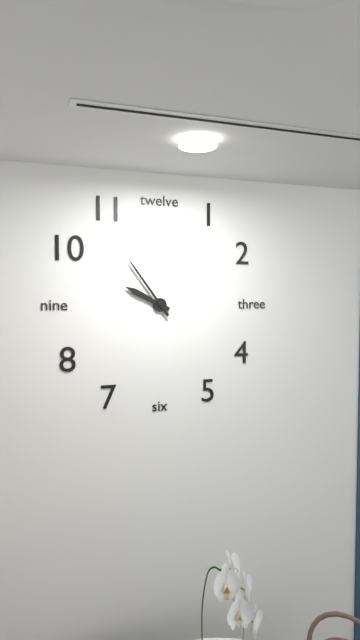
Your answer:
**9:54**
